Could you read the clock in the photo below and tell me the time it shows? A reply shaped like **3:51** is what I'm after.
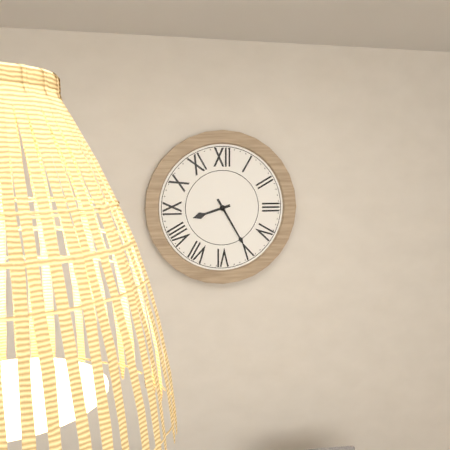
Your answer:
**8:25**
